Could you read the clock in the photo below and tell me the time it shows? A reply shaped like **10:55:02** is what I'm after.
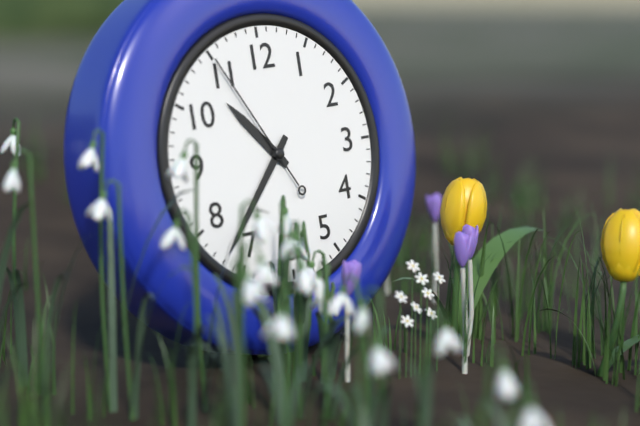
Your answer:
**10:37:55**
